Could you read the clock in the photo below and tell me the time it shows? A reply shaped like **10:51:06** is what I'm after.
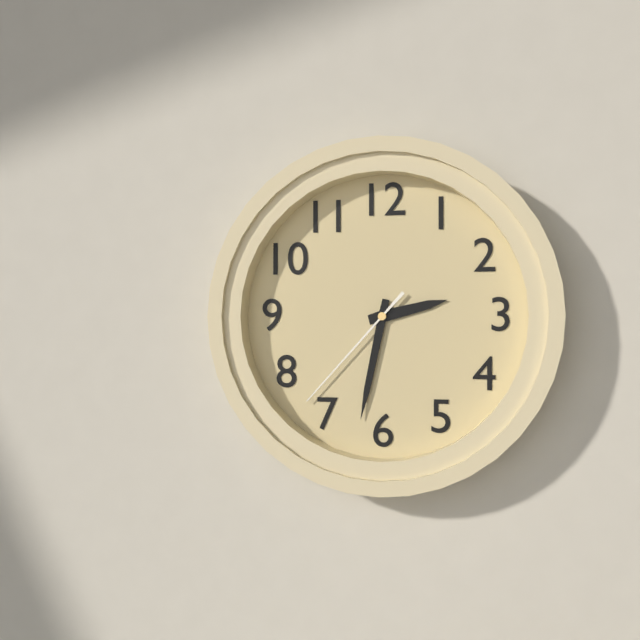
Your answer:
**2:32:37**
